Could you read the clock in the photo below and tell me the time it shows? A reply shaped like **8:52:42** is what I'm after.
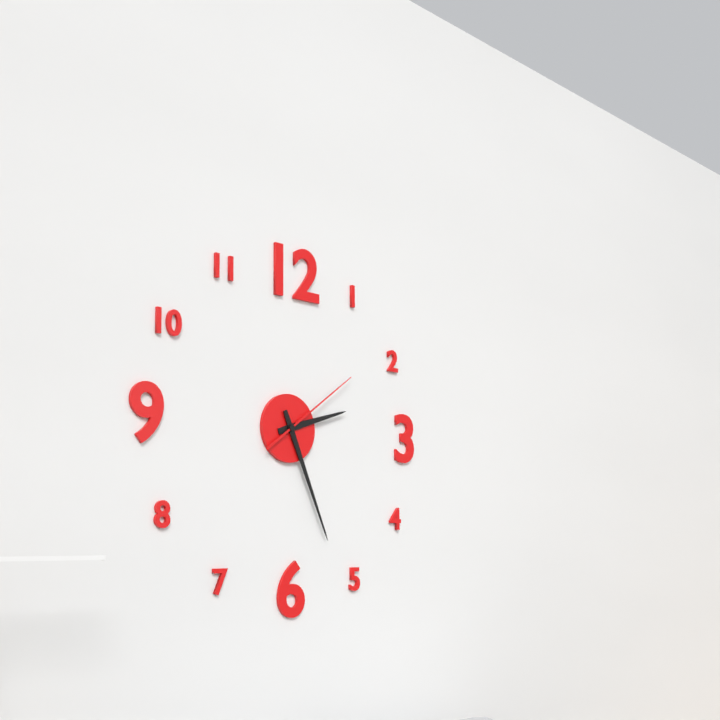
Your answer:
**2:26:09**
